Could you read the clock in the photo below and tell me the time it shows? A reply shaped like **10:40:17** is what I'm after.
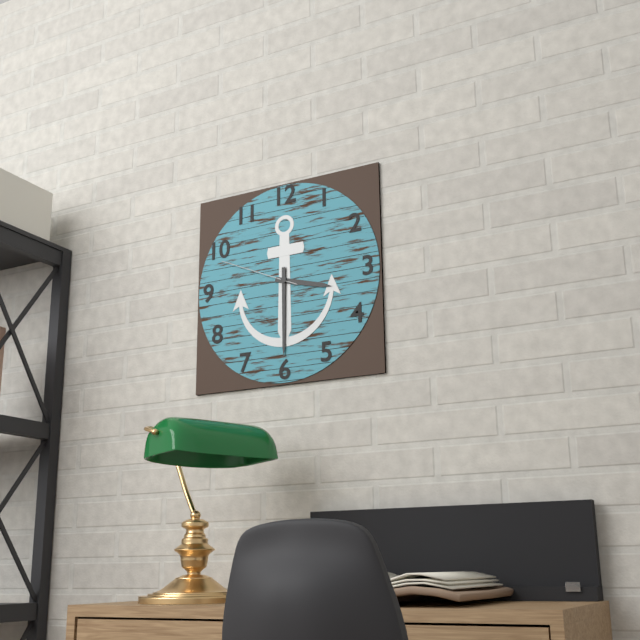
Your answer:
**3:30:49**
